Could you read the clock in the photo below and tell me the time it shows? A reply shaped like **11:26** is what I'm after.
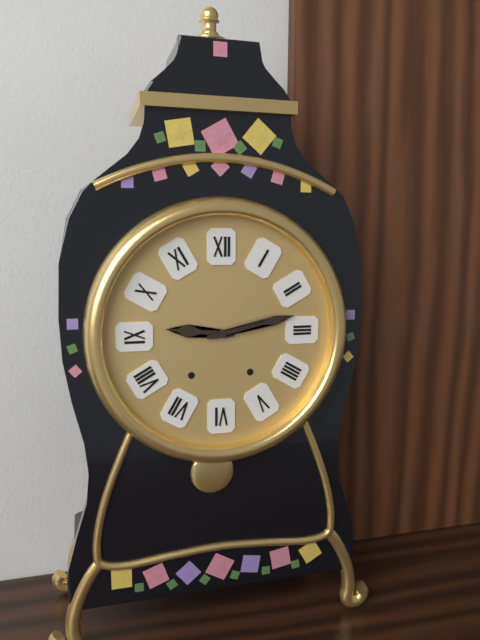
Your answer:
**9:13**
